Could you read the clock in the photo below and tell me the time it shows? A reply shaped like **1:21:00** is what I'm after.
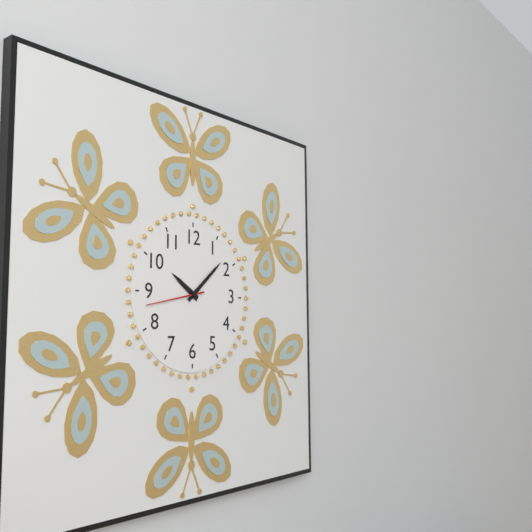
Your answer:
**10:08:43**
